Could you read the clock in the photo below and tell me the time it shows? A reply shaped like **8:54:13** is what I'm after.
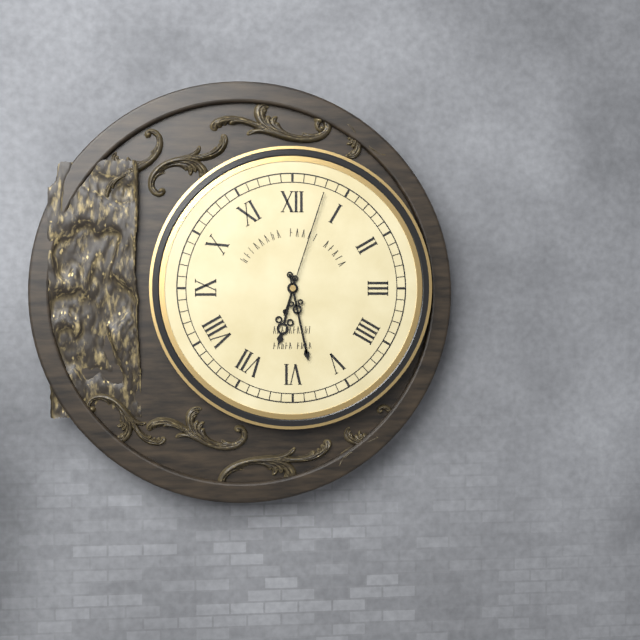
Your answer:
**6:28:03**
